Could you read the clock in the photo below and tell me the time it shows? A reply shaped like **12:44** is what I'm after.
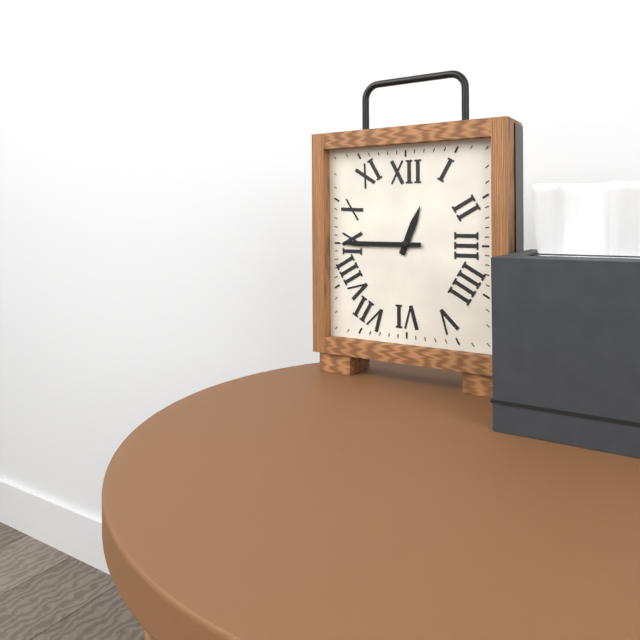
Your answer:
**12:45**
